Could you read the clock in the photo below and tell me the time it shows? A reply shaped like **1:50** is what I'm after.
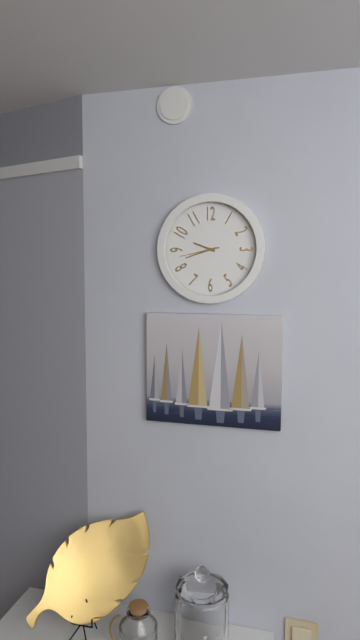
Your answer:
**9:42**
